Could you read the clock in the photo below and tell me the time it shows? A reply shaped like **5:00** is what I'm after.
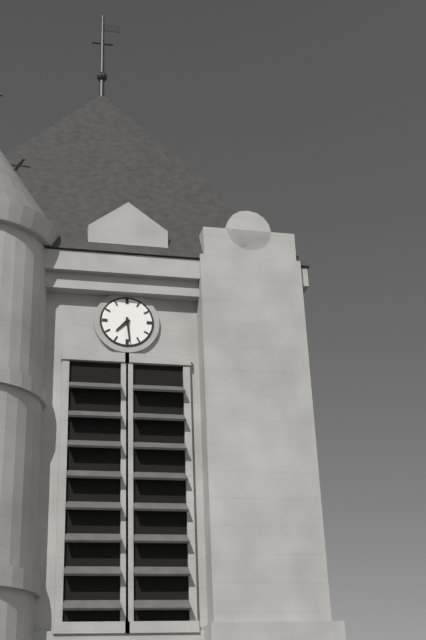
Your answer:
**7:29**
